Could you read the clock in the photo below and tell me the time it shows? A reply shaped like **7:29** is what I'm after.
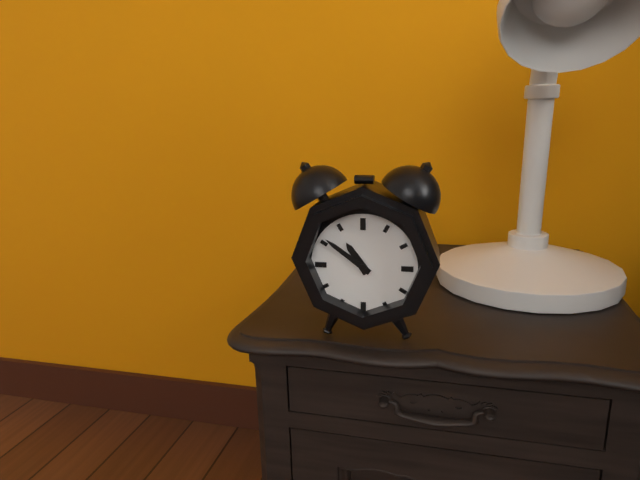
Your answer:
**10:51**
